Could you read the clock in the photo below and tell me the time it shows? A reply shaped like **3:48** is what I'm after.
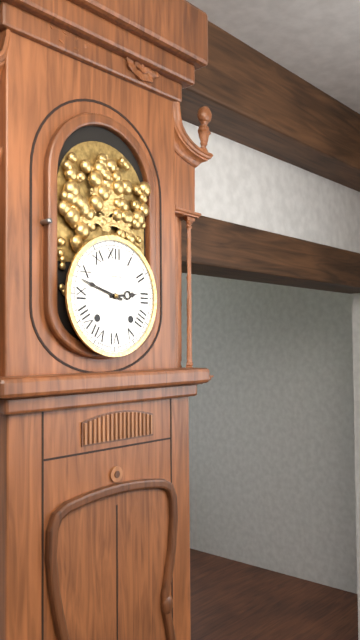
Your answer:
**2:48**
